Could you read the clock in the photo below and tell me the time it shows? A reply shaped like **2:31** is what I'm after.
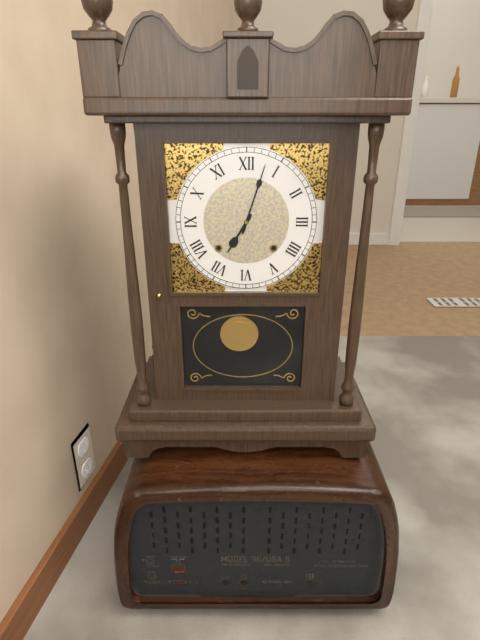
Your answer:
**7:03**
